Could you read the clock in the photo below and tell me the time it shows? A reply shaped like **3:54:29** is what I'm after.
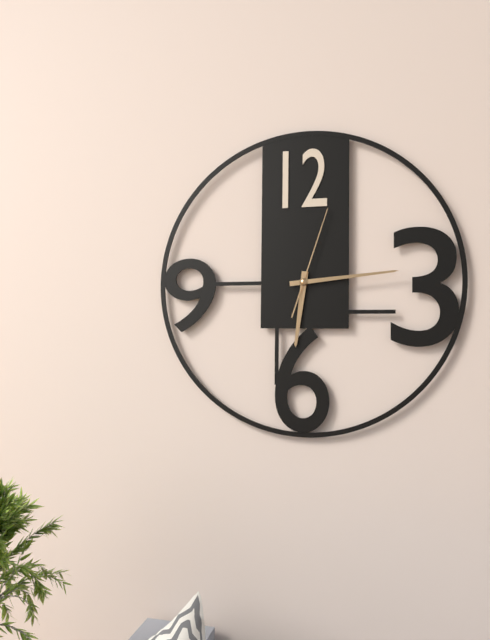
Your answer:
**6:14:03**
